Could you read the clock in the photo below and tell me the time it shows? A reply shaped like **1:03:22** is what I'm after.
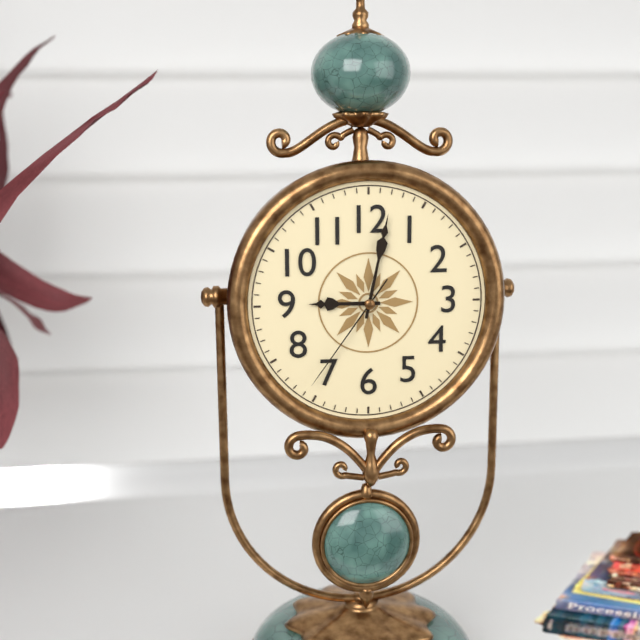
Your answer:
**9:02:36**
